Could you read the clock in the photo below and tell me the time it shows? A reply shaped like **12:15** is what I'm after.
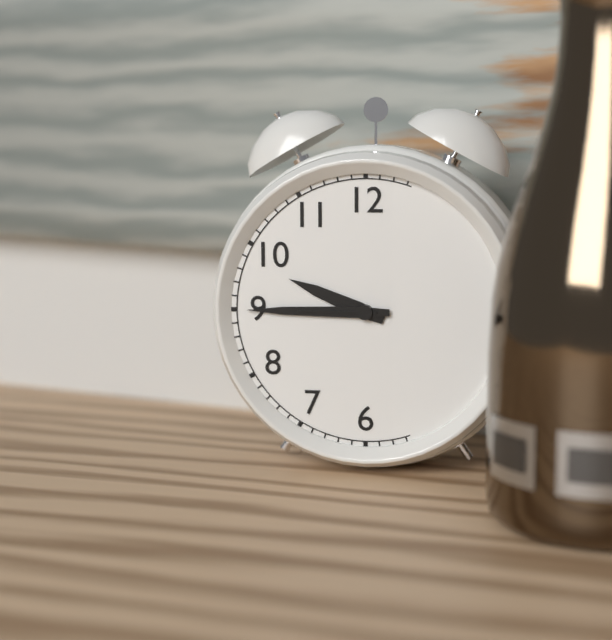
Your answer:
**9:45**
